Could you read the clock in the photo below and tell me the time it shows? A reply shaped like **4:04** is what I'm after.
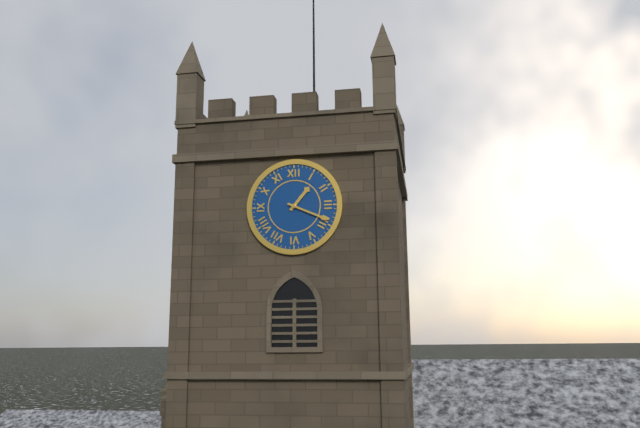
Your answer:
**1:19**
